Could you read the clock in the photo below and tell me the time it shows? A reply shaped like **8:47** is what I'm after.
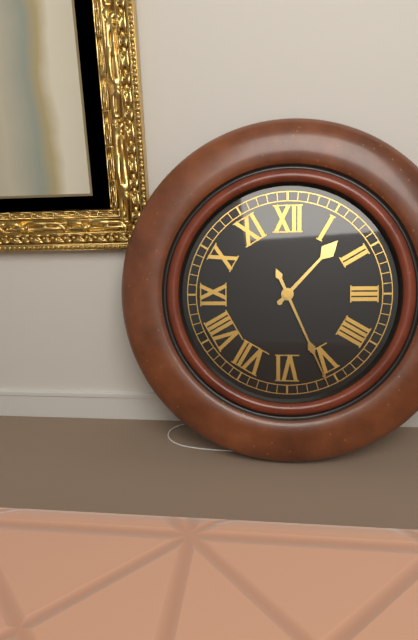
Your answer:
**1:26**
